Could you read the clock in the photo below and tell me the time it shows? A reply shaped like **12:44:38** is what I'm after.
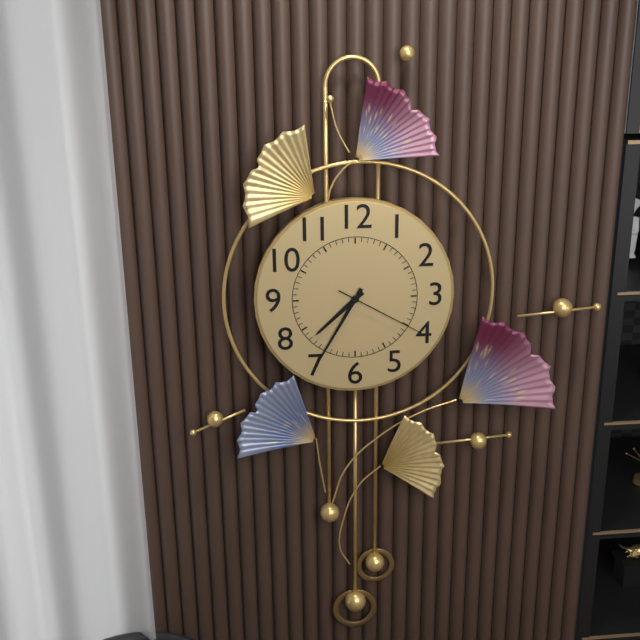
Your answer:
**7:35:20**
